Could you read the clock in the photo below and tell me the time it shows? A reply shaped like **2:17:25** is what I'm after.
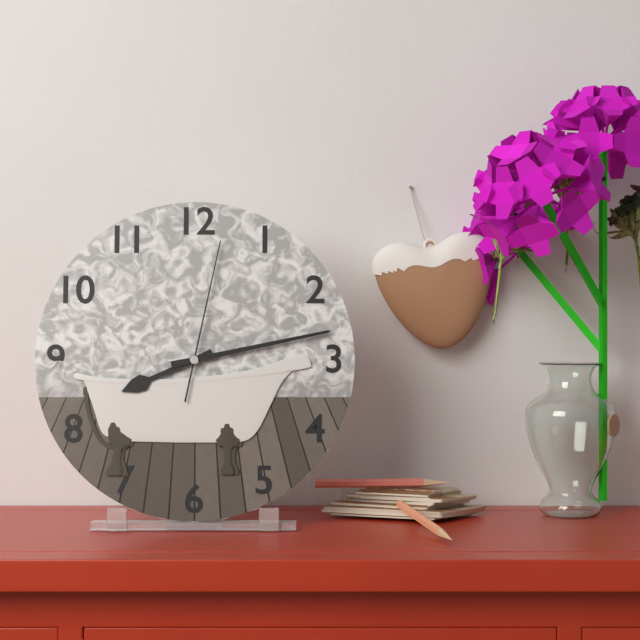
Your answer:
**8:13:02**
